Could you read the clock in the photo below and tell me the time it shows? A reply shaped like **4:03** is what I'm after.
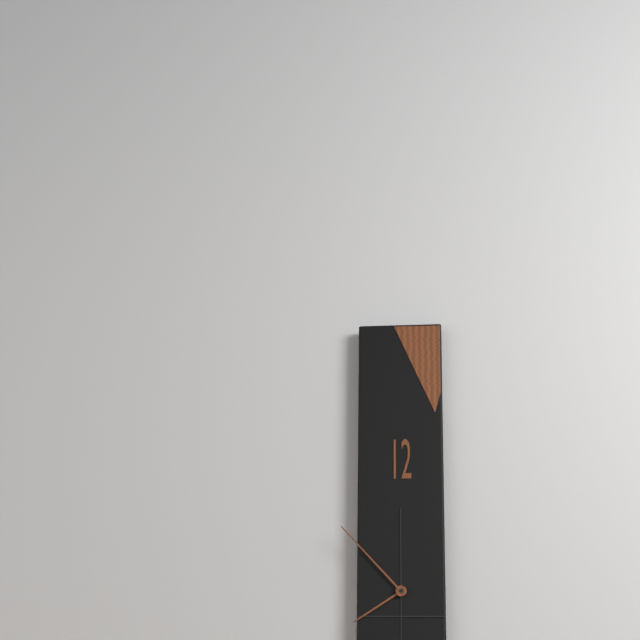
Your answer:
**7:53**
